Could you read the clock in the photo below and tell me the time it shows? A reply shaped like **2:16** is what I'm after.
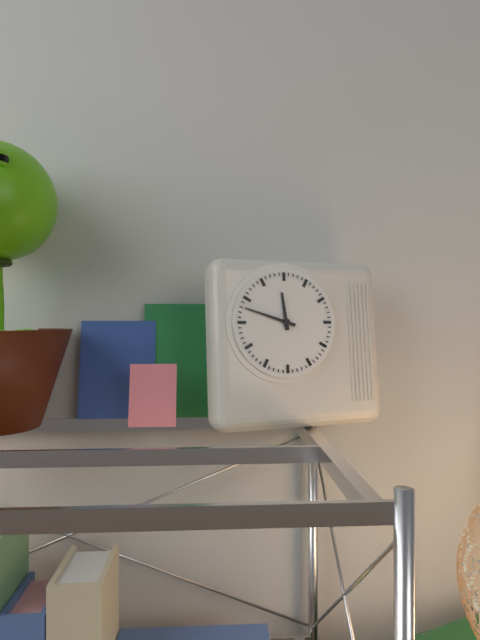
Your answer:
**11:48**
